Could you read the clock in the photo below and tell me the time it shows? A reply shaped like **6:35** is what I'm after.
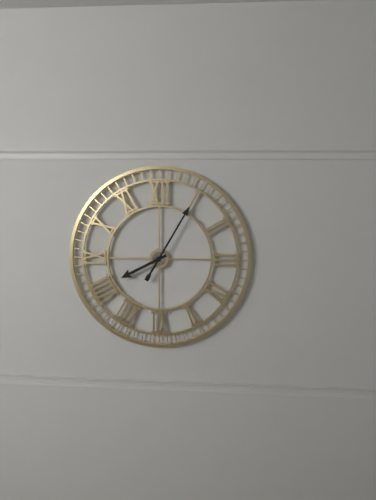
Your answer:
**8:05**
